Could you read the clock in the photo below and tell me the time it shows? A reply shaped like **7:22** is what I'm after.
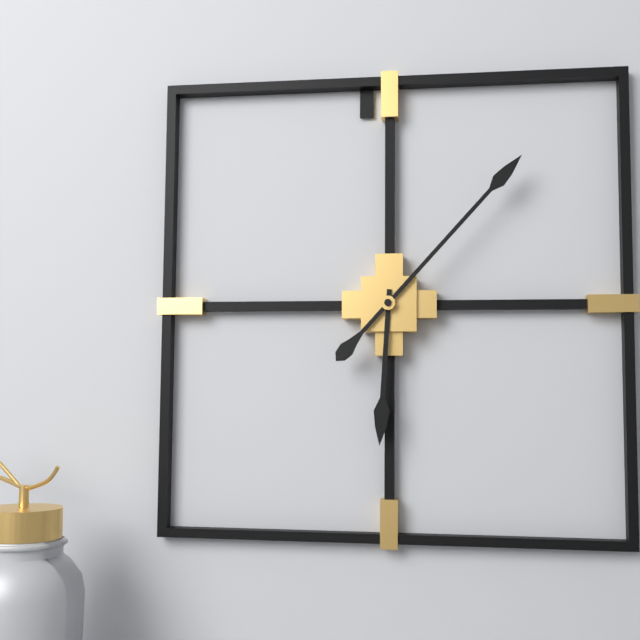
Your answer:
**6:07**
